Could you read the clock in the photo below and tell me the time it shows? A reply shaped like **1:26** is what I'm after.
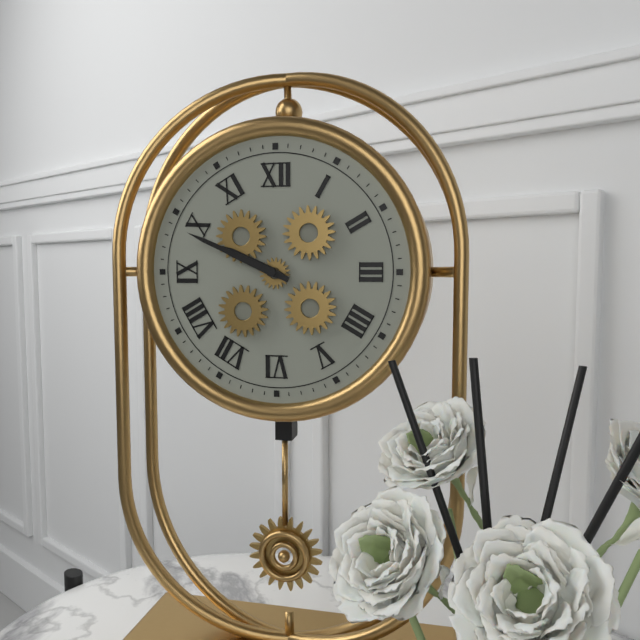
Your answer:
**9:49**
